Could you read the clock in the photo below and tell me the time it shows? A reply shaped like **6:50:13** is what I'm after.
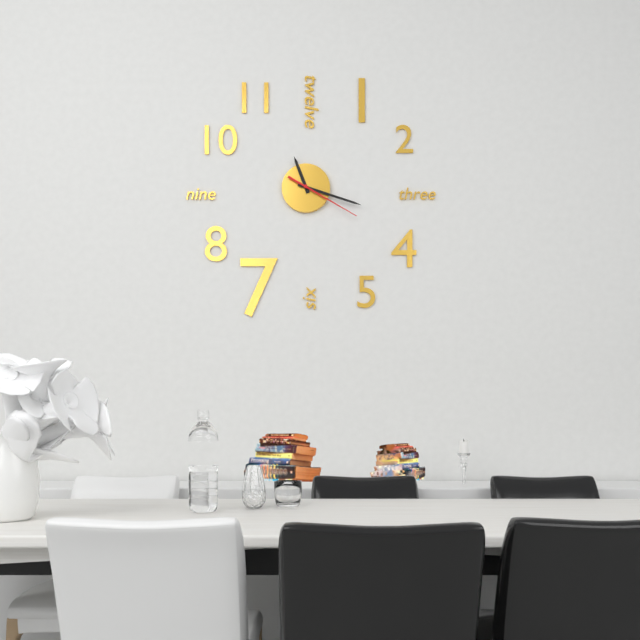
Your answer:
**11:18:20**
